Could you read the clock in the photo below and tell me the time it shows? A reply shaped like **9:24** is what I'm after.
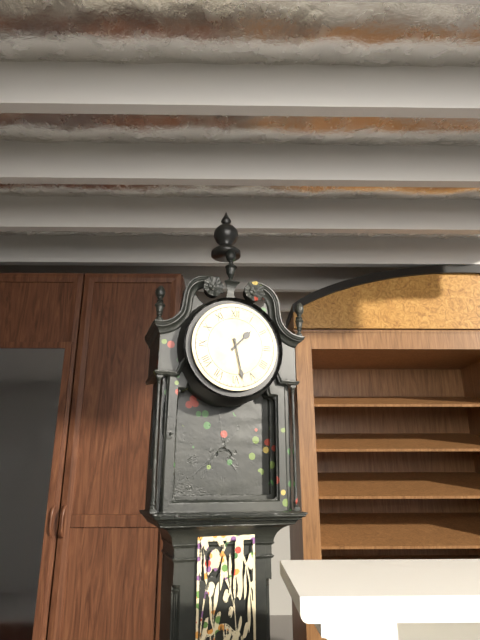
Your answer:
**1:28**
